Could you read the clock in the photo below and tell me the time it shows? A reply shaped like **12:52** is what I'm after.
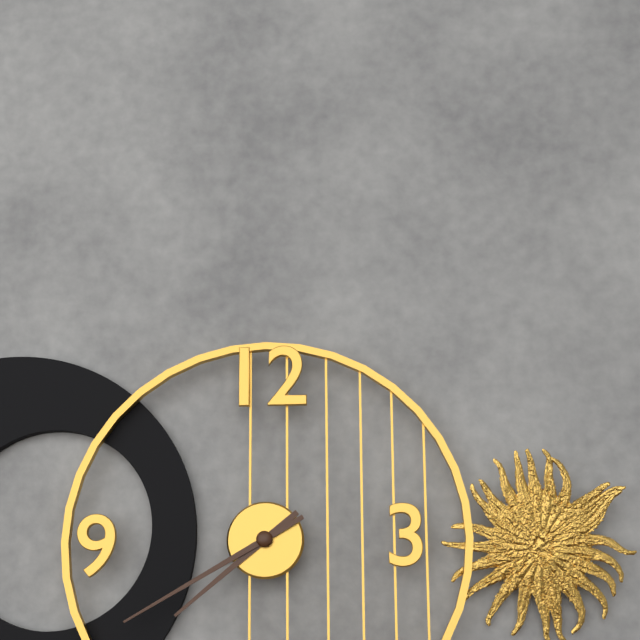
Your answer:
**7:40**
